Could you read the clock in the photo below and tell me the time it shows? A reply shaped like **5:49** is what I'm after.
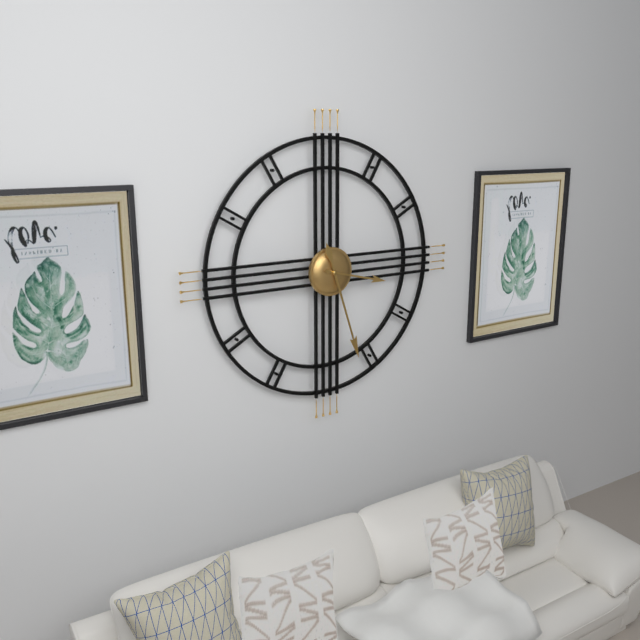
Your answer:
**3:27**
